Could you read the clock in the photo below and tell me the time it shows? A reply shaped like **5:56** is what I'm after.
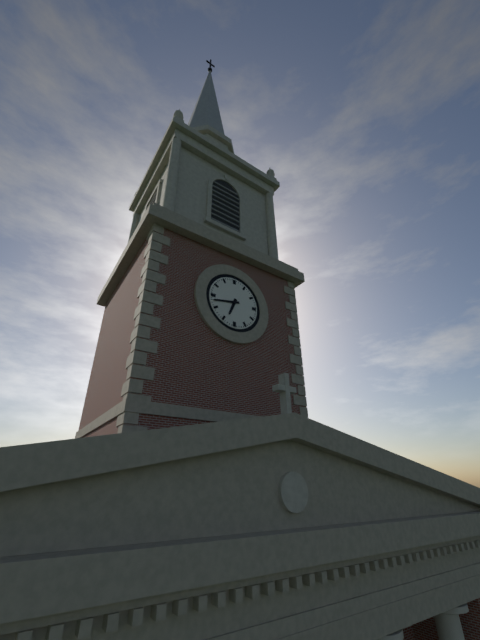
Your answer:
**6:43**
